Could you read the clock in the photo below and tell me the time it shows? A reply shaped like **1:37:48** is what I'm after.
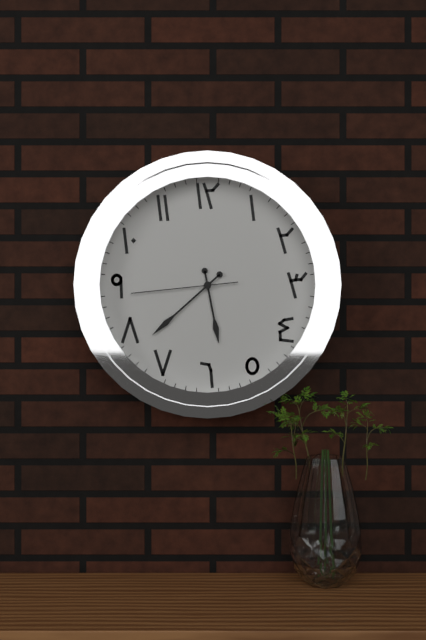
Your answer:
**5:38:44**
